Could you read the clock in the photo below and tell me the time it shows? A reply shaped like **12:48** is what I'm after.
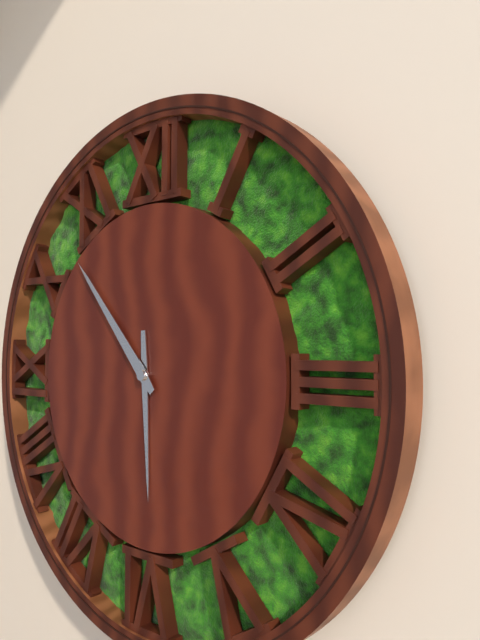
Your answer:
**5:53**
